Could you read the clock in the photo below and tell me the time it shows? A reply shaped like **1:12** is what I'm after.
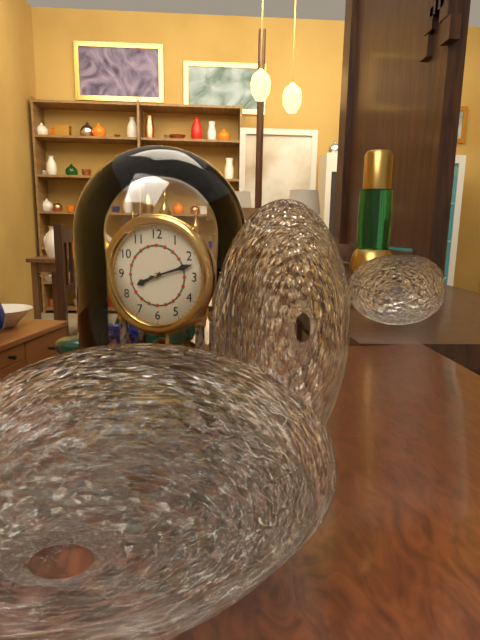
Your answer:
**8:12**
